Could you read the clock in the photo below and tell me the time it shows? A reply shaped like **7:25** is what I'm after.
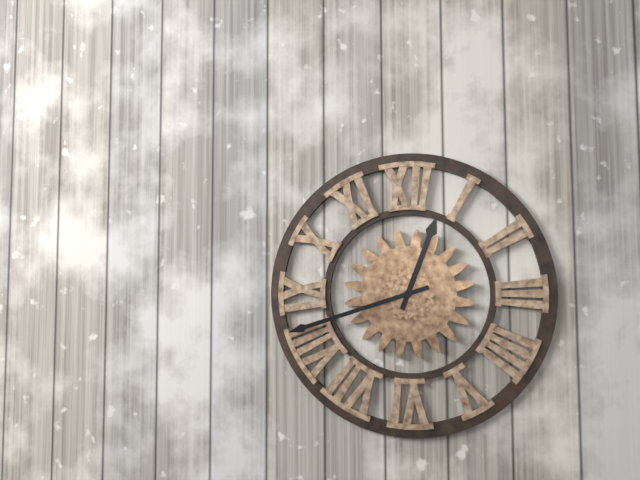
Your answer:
**12:42**
